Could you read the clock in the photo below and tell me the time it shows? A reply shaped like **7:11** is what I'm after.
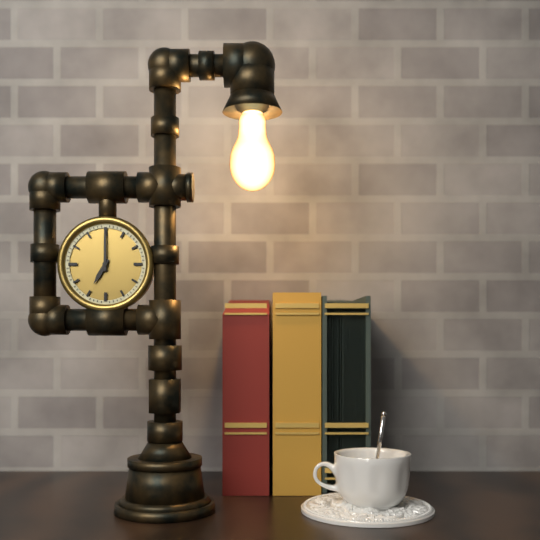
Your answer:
**7:00**
